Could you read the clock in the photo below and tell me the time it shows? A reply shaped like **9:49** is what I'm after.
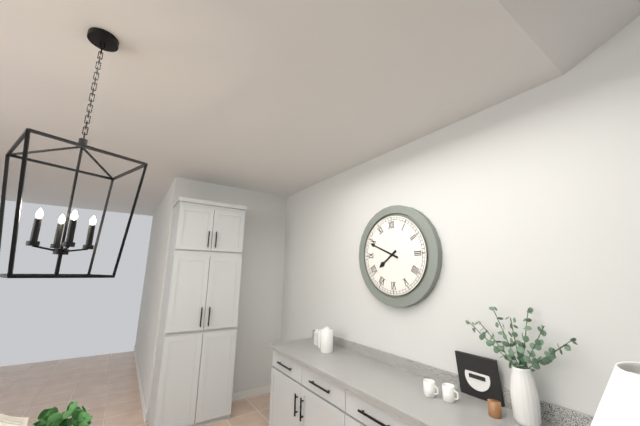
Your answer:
**7:49**
